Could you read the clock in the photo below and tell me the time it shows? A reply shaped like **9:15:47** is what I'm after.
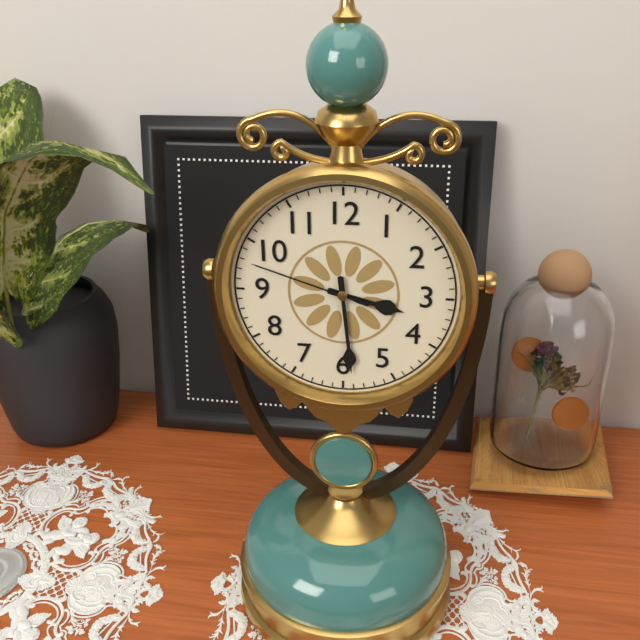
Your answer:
**3:29:48**
